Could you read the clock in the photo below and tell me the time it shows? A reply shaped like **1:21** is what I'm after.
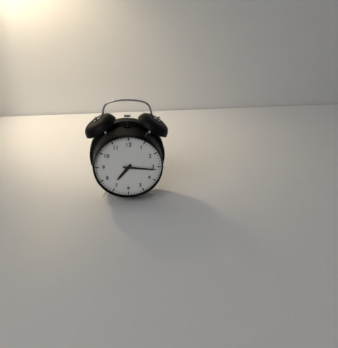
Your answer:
**7:16**
